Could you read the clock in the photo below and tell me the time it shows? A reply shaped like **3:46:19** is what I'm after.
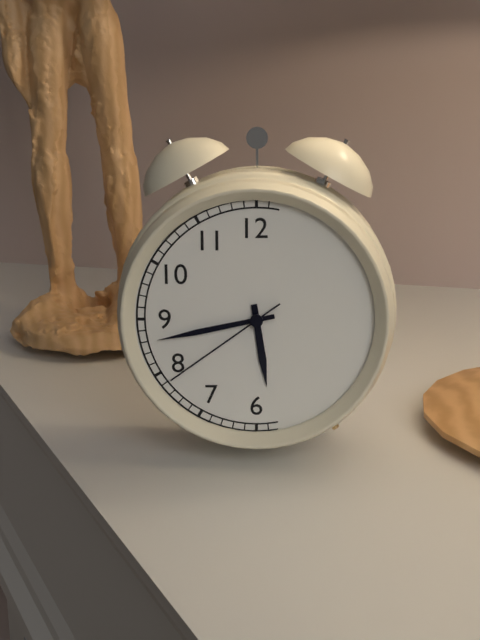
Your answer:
**5:43:39**
